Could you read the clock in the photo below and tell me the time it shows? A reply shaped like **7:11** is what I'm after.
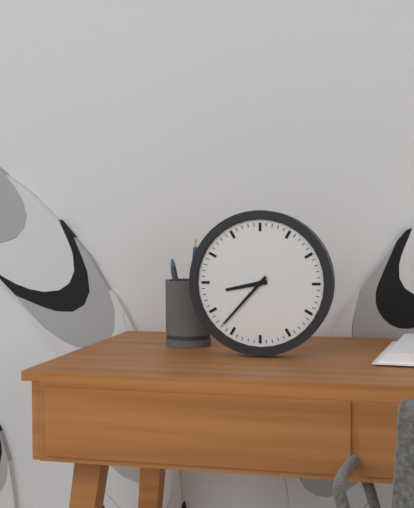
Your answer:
**8:37**
